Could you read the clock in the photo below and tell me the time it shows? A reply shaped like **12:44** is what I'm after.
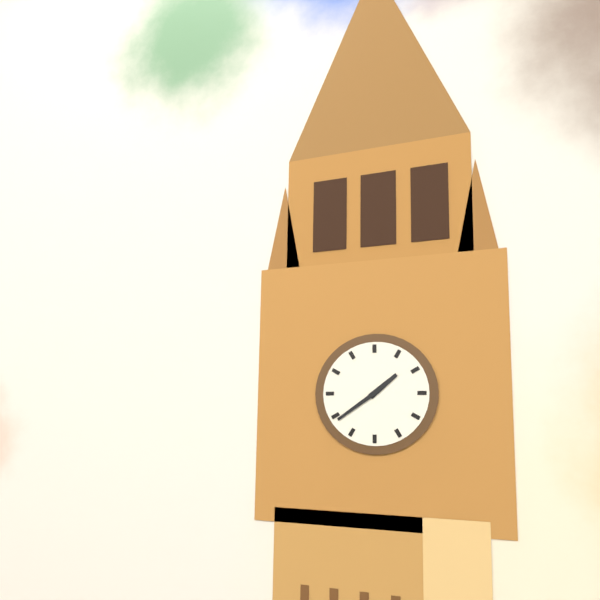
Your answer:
**1:39**
